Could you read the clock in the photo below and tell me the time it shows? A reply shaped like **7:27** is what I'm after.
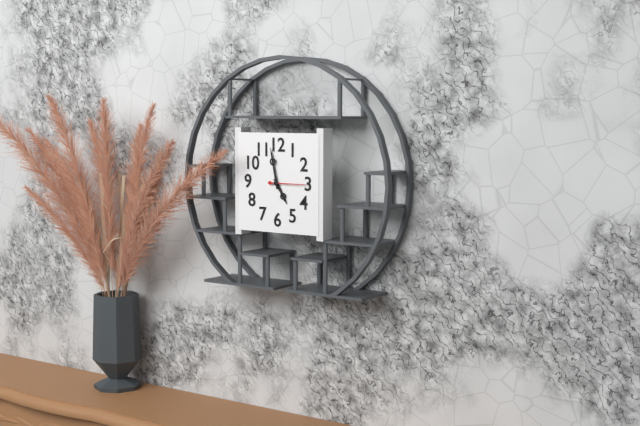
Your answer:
**4:58**
